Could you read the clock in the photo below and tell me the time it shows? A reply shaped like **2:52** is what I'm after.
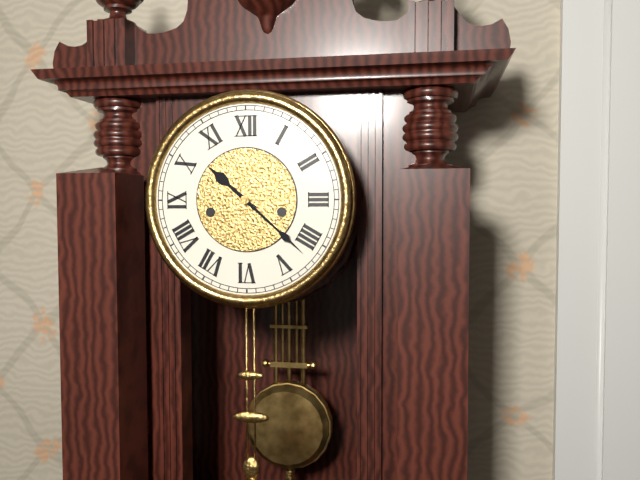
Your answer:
**10:22**
